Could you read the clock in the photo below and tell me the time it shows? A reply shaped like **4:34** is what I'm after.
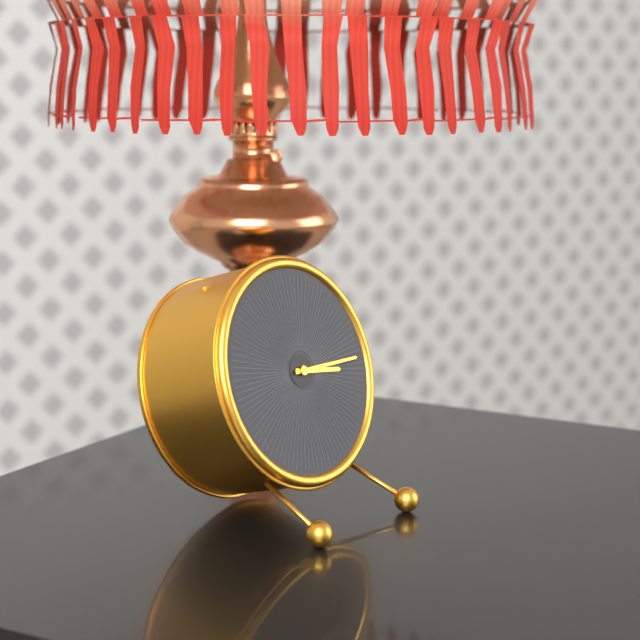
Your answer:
**3:15**
